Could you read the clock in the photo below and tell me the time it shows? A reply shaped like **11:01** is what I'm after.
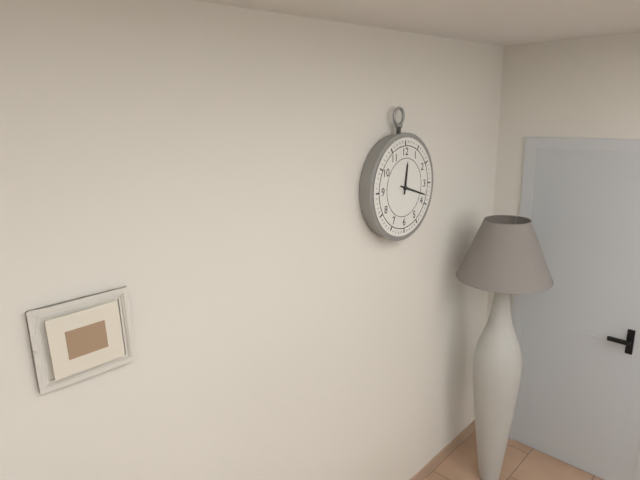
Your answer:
**12:18**
